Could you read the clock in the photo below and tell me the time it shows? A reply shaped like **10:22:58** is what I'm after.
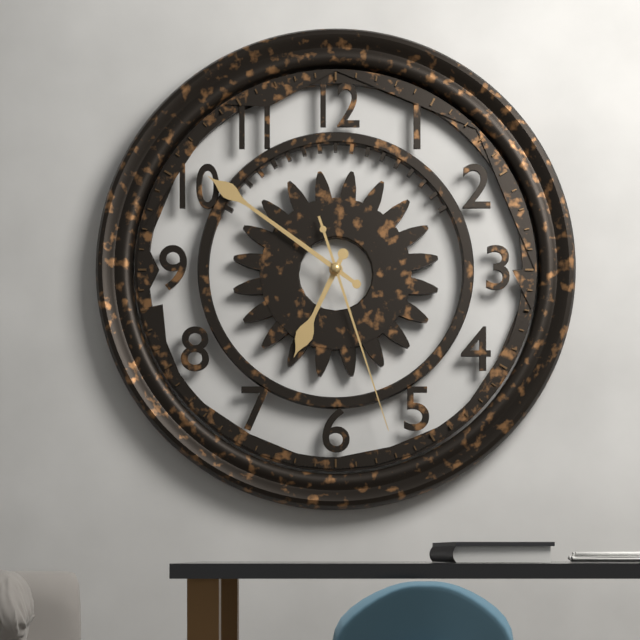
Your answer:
**6:51:27**
